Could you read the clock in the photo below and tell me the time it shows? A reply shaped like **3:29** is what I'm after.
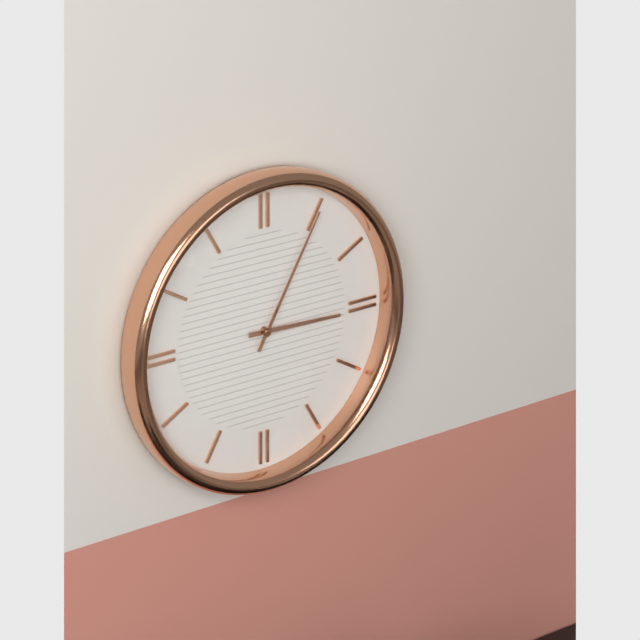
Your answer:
**3:05**
